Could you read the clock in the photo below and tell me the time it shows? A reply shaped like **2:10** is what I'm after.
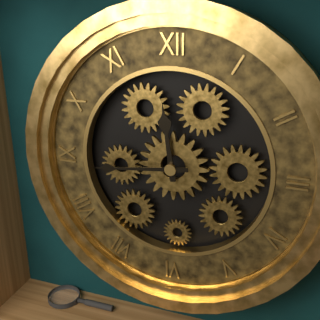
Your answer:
**11:44**
